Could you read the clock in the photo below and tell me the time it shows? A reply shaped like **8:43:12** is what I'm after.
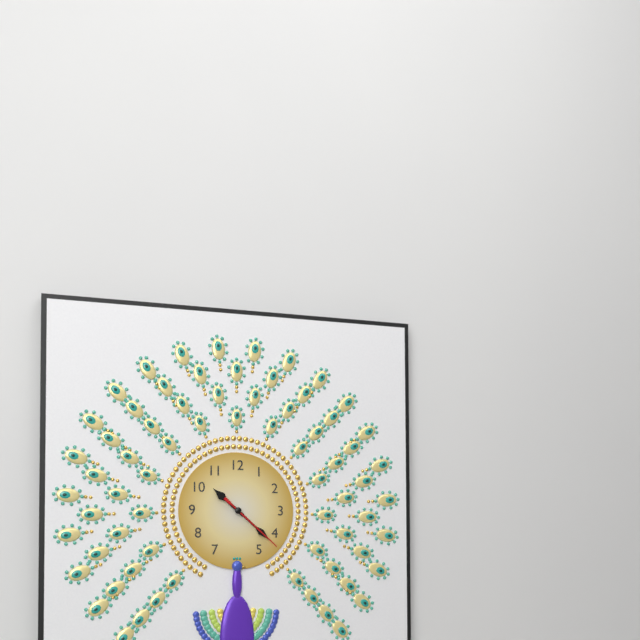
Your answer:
**10:22:22**
